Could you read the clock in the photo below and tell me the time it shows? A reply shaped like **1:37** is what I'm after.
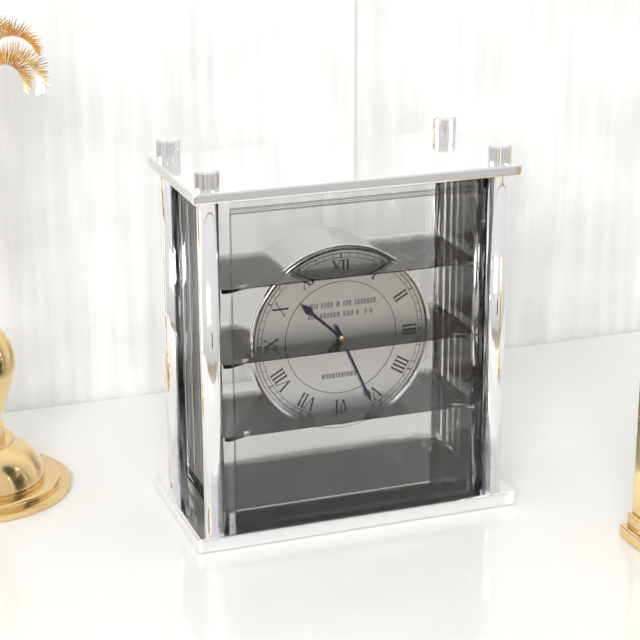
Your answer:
**10:26**
